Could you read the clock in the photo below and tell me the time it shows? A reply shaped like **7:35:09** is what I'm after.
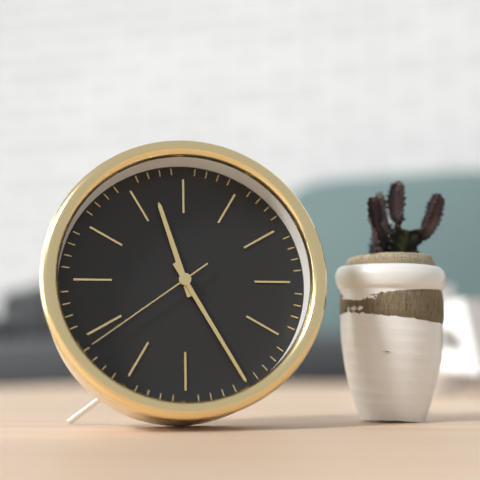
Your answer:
**11:25:39**
